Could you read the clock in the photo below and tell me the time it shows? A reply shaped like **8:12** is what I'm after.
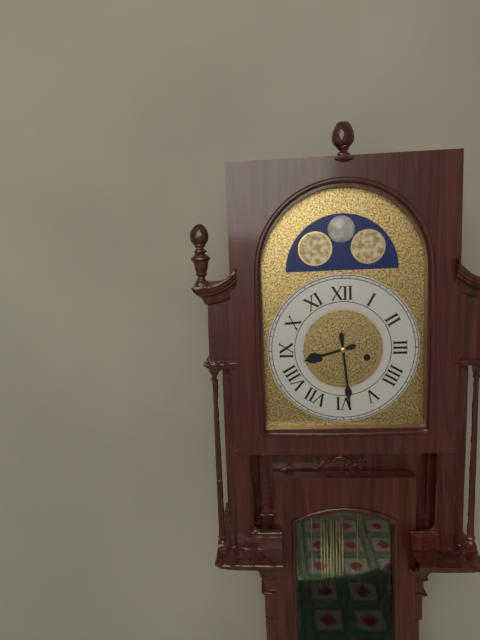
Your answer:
**8:29**
